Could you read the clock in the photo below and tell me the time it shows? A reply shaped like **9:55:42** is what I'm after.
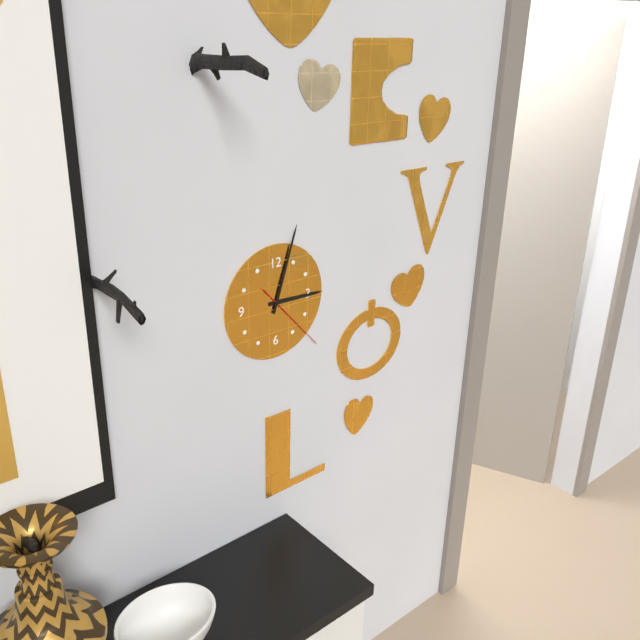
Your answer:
**3:03:23**
